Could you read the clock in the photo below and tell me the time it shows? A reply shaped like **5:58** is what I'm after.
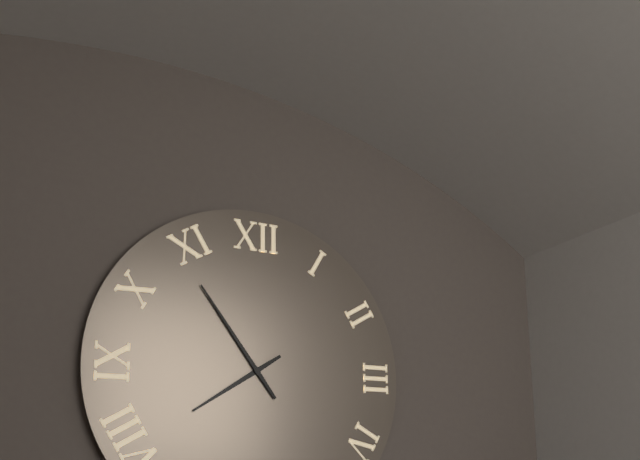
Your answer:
**7:54**
